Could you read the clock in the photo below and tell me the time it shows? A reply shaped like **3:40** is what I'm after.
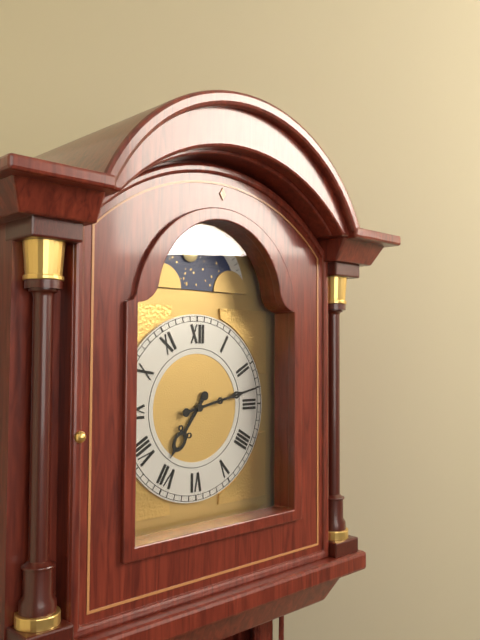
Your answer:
**7:13**
